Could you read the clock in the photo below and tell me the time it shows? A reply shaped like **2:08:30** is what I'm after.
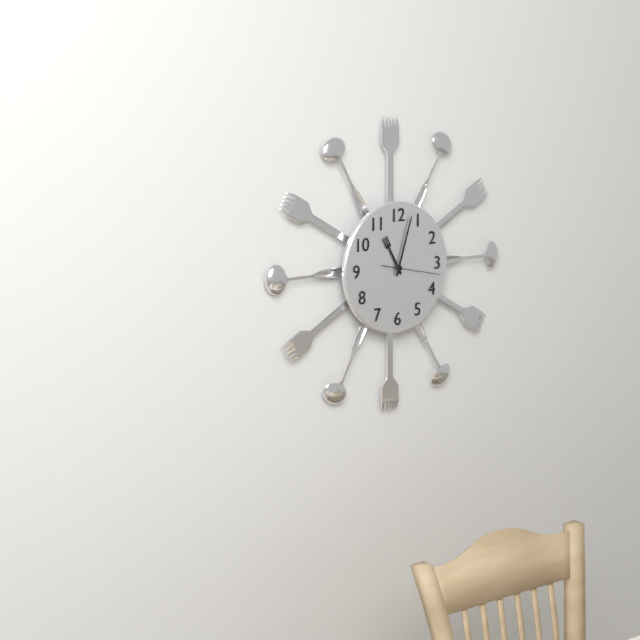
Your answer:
**11:03:17**
